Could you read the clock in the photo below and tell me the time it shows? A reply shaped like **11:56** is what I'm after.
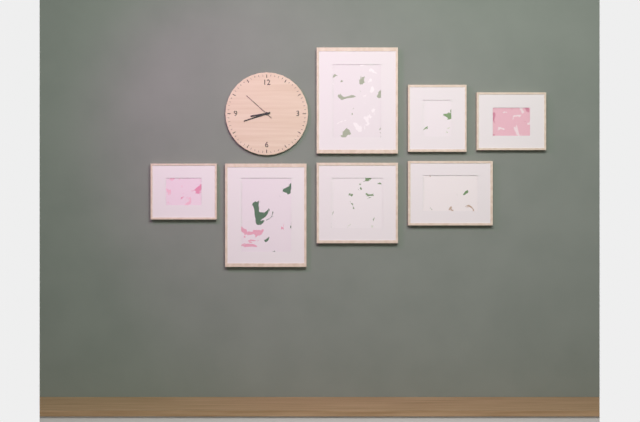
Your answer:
**8:42**
